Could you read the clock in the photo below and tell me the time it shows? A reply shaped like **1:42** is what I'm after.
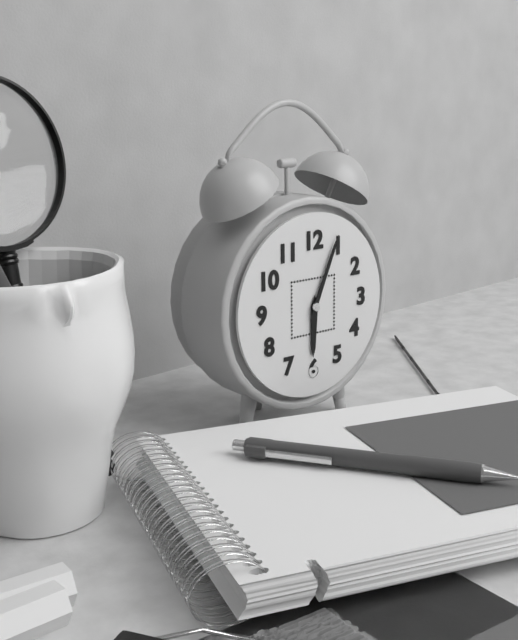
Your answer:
**6:04**
